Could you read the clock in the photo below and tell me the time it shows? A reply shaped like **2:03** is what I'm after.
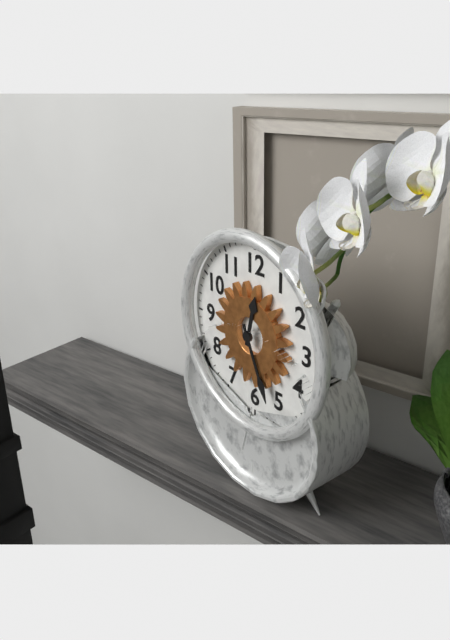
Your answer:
**12:26**
